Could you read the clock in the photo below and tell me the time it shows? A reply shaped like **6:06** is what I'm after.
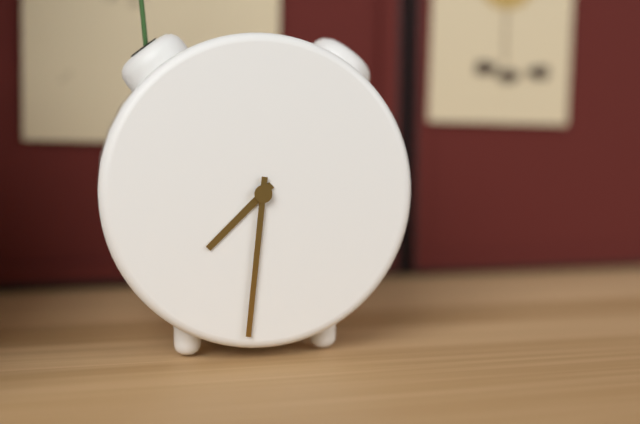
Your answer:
**7:31**
